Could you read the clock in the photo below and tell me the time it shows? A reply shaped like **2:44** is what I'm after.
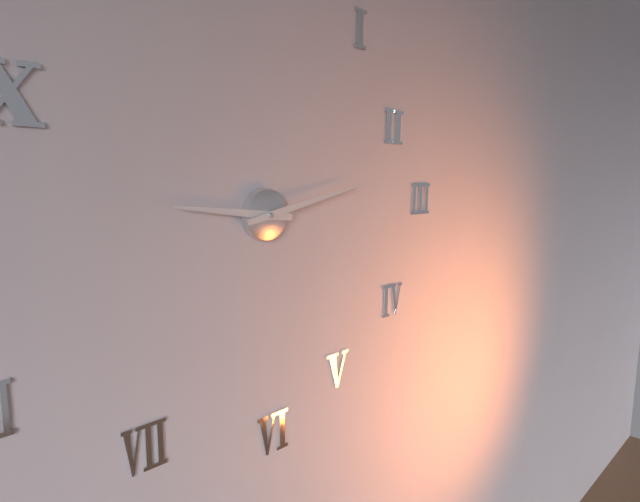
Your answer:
**9:13**
